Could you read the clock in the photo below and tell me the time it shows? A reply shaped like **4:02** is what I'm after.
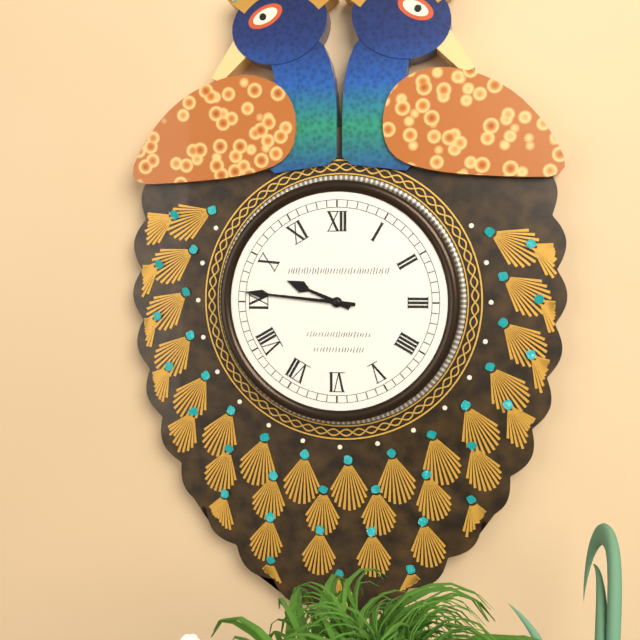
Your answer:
**9:46**
